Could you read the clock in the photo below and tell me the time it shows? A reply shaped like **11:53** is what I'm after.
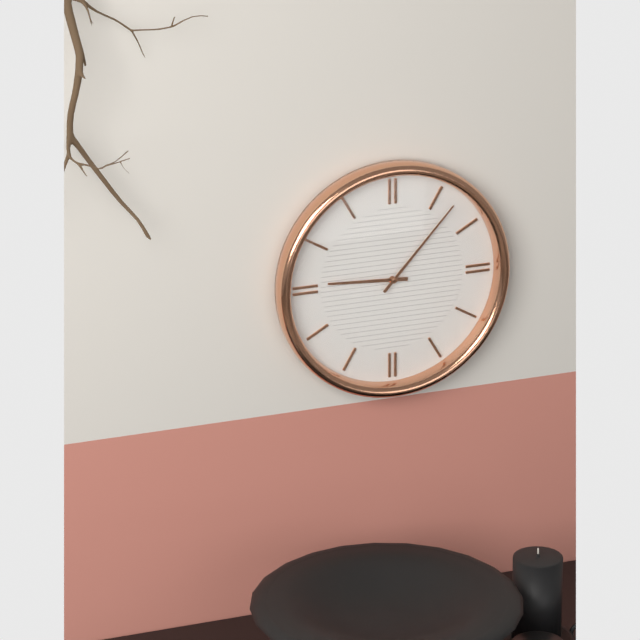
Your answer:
**9:07**
